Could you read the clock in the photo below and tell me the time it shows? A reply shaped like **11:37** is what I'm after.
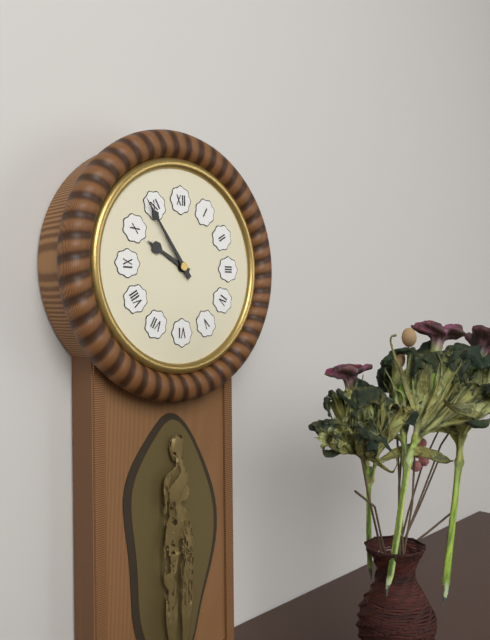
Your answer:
**9:54**
